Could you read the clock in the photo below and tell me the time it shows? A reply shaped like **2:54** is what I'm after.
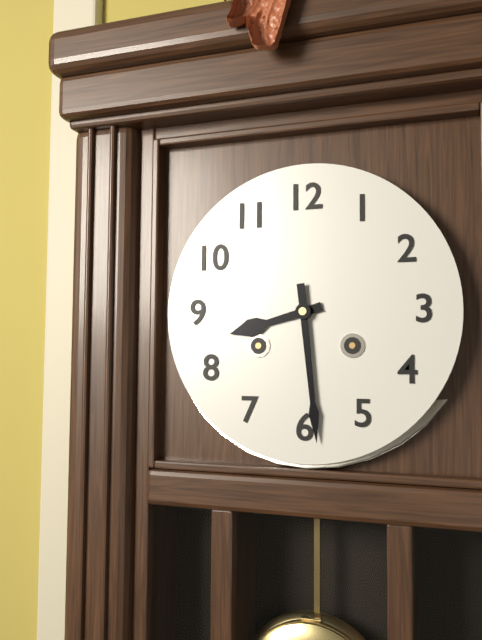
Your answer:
**8:29**
